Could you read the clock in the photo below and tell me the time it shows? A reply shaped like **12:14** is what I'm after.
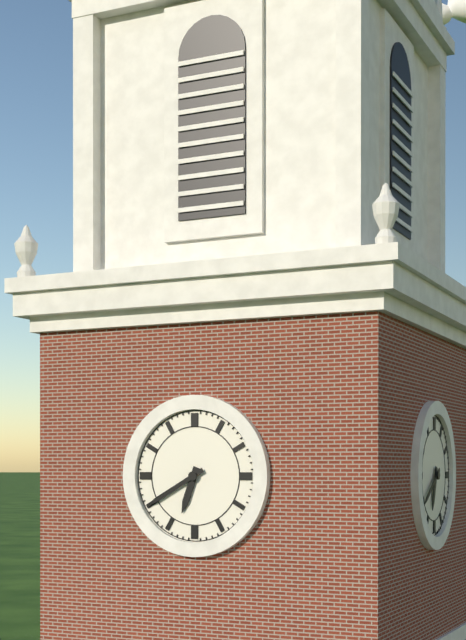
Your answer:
**6:40**
